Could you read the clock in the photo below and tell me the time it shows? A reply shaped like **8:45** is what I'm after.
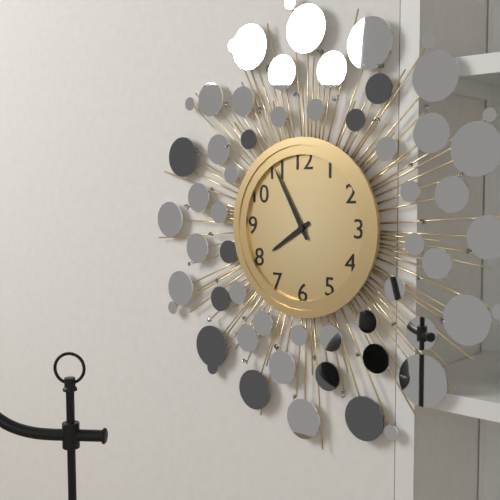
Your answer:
**7:55**
